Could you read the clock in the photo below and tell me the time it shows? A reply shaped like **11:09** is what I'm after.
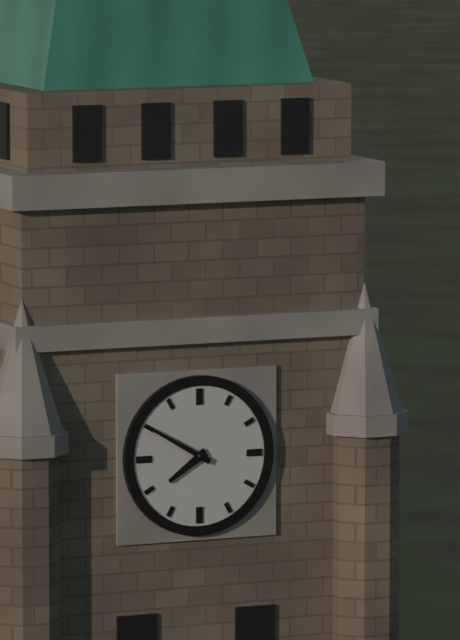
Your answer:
**7:50**
